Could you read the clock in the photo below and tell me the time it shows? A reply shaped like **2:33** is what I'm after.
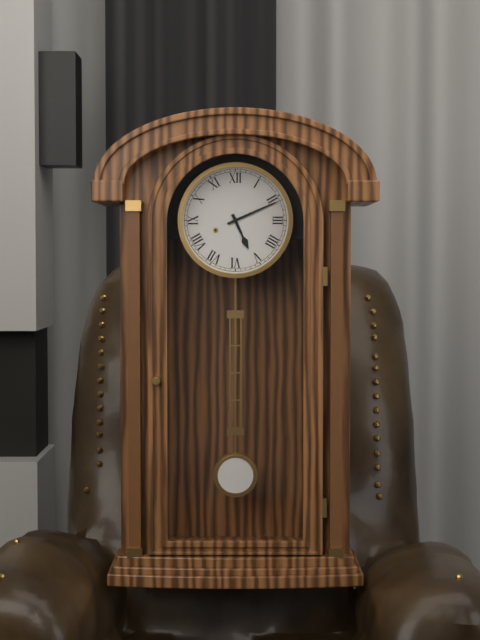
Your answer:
**5:11**
